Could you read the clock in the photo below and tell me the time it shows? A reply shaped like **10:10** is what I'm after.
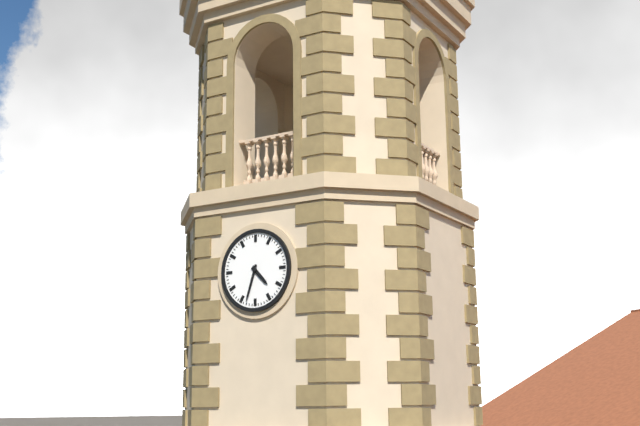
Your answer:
**4:33**
